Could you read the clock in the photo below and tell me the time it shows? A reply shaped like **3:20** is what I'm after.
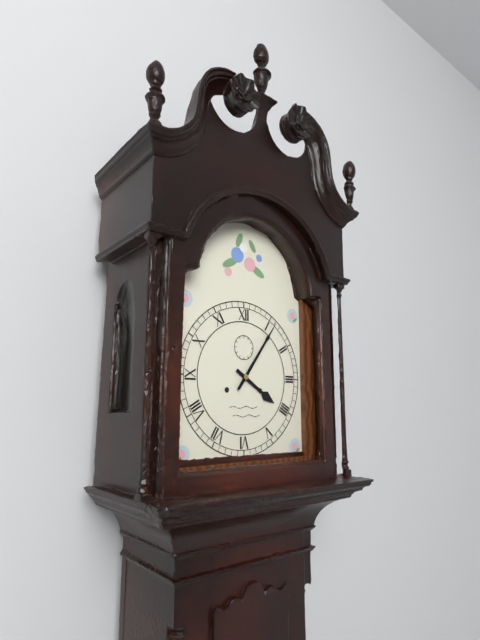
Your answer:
**4:06**
